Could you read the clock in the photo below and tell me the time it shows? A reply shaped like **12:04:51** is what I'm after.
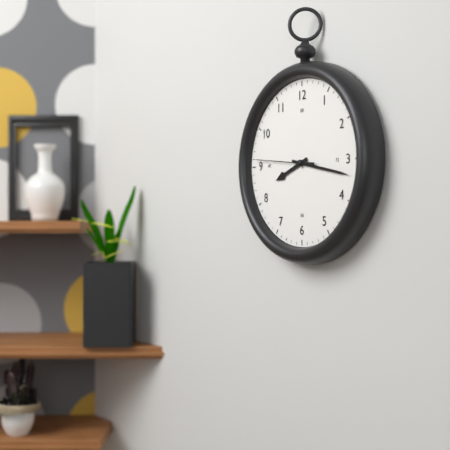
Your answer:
**8:17:46**
